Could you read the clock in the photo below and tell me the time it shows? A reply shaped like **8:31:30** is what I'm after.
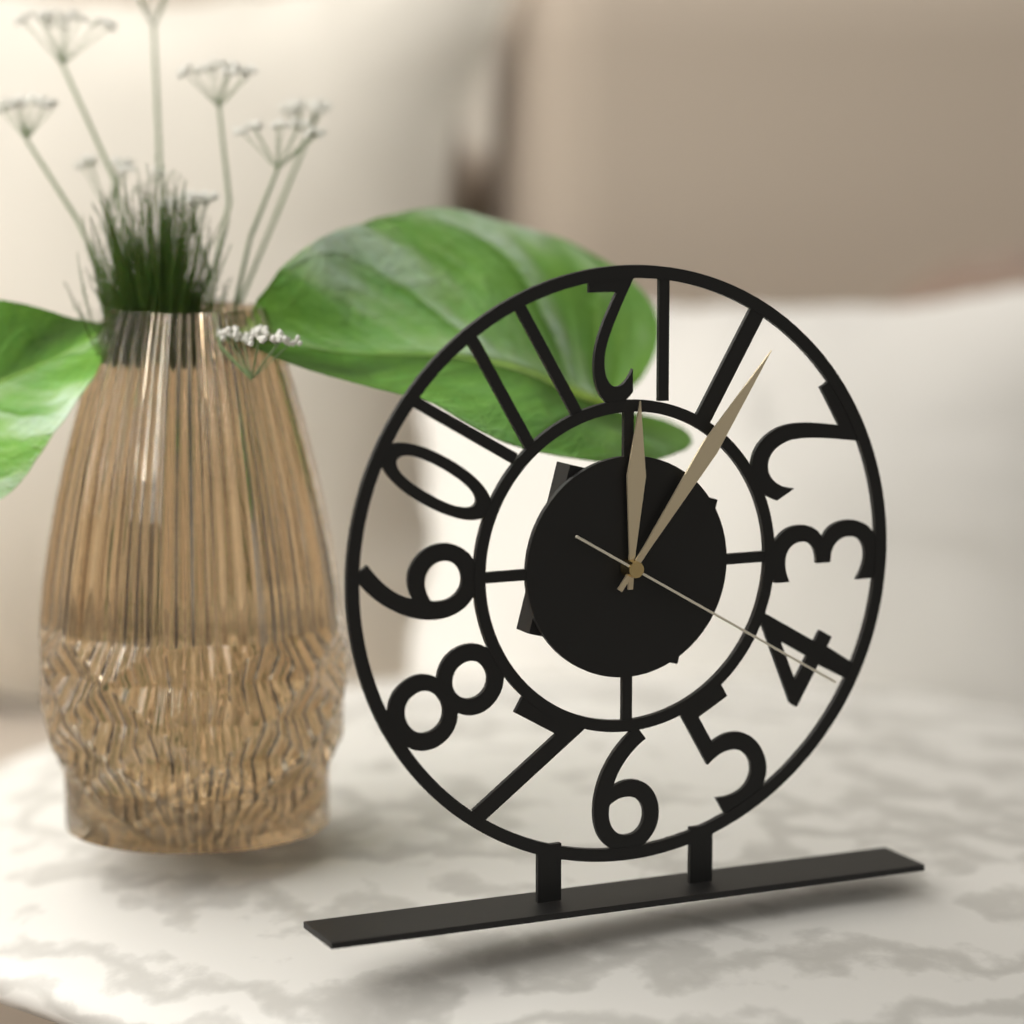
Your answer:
**12:06:20**
